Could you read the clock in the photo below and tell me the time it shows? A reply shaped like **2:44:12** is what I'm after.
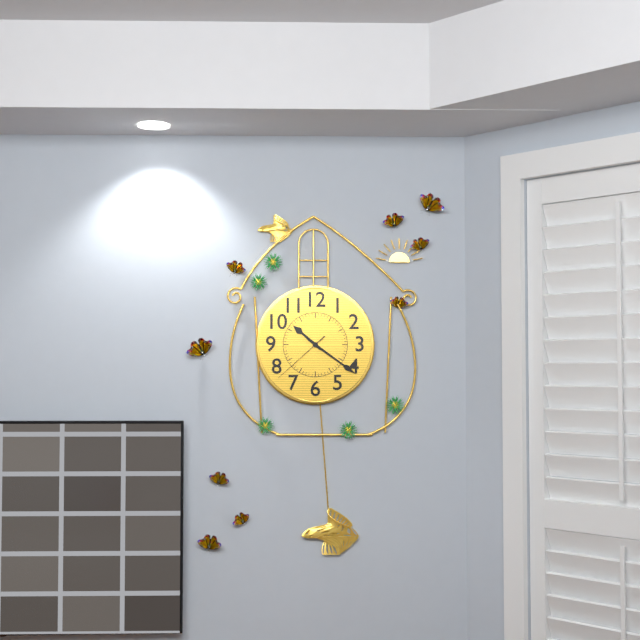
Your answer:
**10:21:38**
